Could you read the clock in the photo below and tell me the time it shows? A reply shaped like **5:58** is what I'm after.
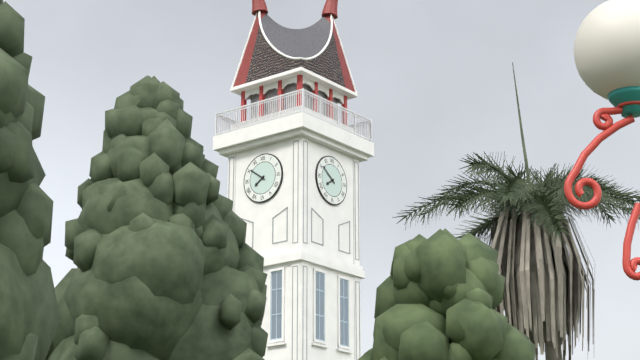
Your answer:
**7:51**
